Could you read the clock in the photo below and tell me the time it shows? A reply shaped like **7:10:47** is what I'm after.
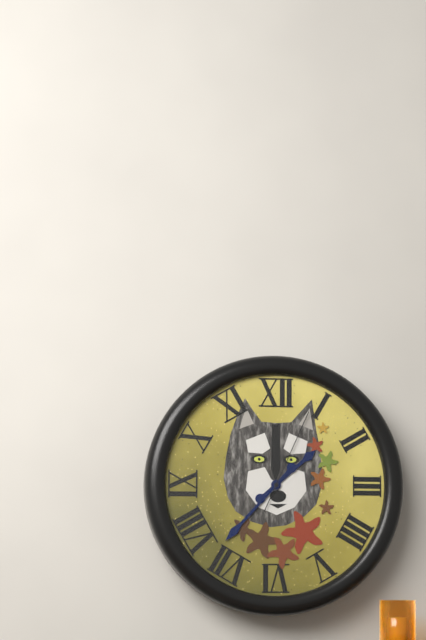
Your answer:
**1:37:04**
